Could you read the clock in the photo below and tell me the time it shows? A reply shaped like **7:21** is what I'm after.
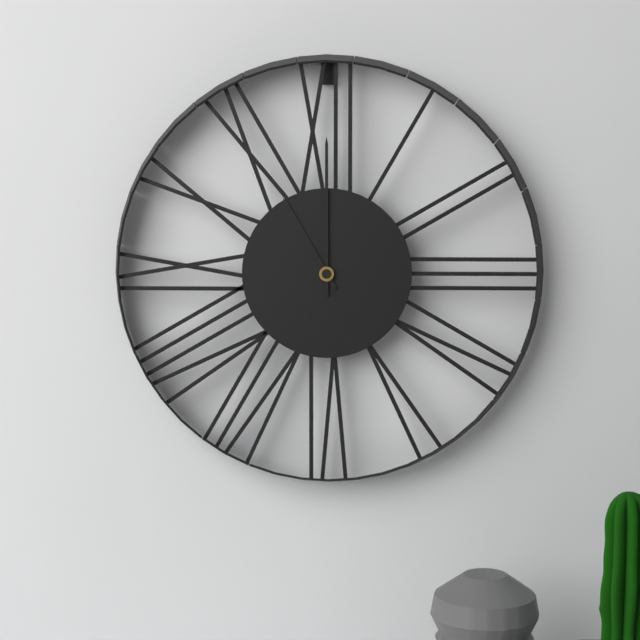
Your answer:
**11:00**
